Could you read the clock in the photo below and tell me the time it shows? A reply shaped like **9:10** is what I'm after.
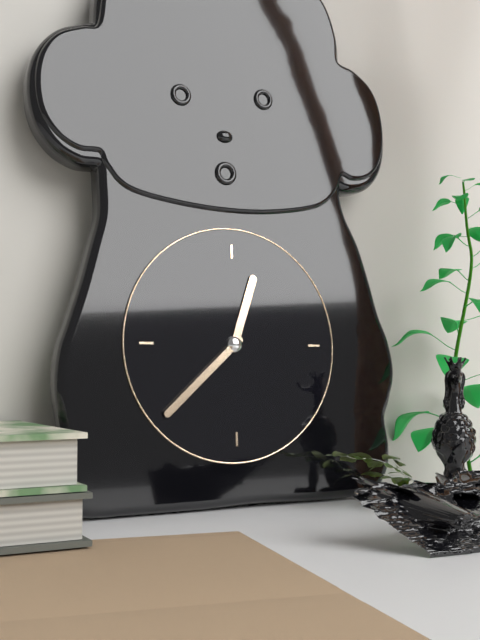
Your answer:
**12:38**
